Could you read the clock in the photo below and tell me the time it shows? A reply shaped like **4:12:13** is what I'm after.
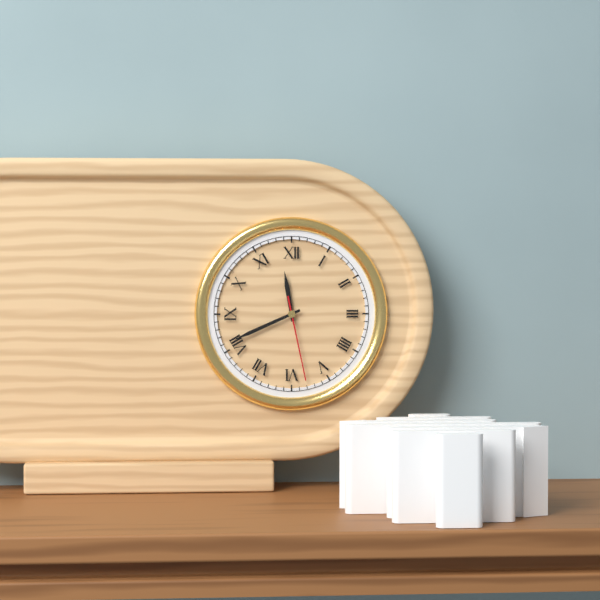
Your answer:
**11:41:28**
